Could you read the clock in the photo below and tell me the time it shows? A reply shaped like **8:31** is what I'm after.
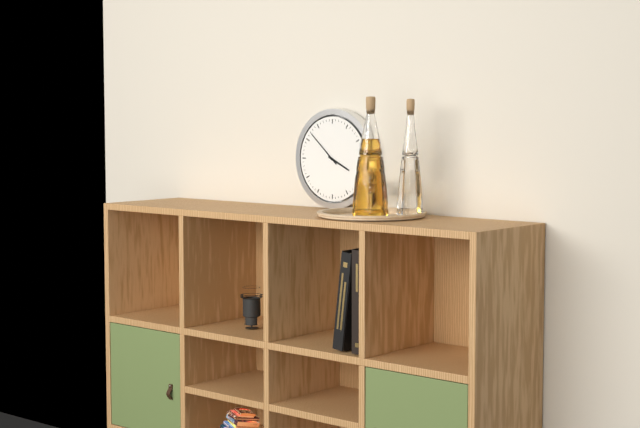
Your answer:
**3:52**
